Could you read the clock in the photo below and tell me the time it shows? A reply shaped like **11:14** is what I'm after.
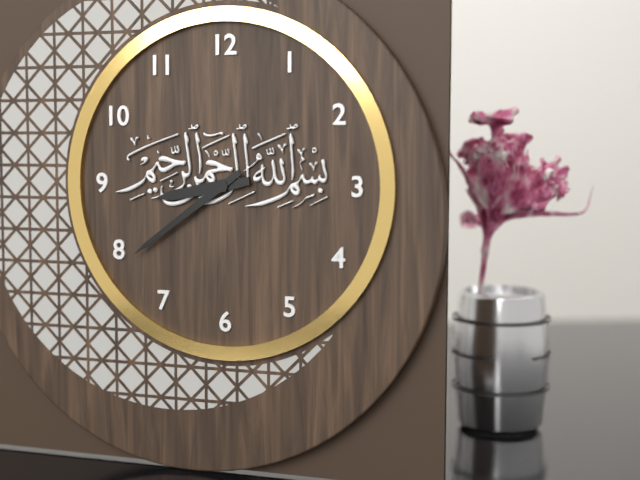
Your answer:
**8:39**
